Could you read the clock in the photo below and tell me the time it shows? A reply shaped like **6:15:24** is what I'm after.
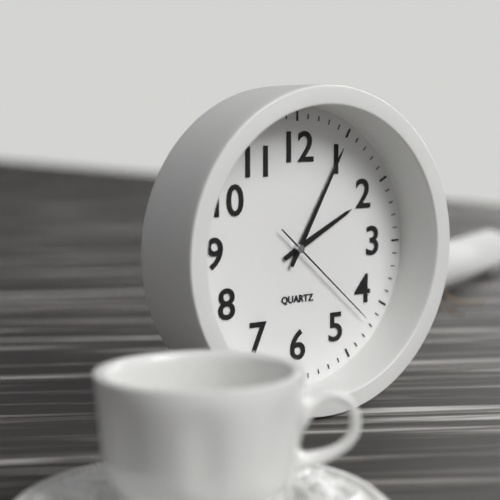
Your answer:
**2:05:22**
